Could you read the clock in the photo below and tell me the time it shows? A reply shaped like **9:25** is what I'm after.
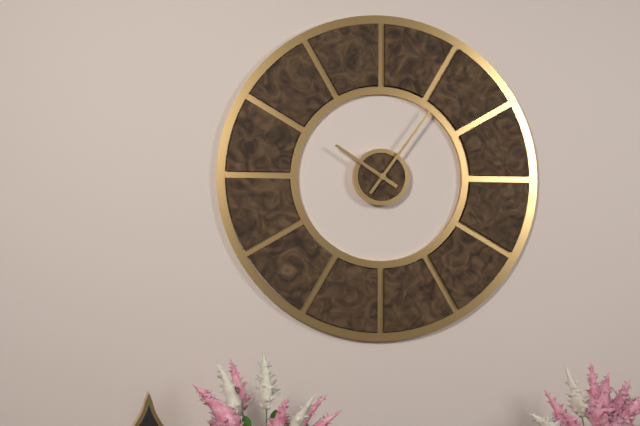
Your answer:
**10:06**
